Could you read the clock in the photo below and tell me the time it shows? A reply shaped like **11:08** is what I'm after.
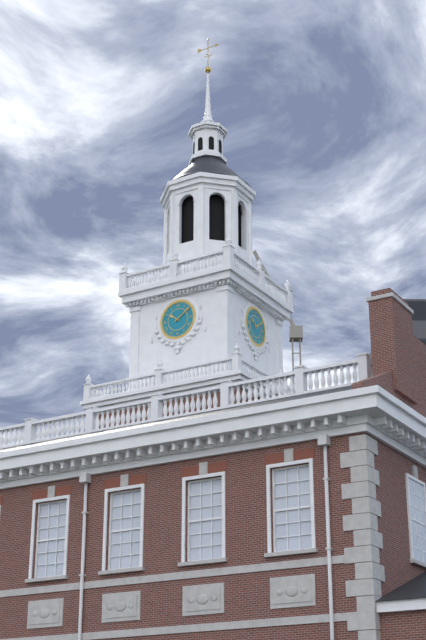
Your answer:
**10:09**
